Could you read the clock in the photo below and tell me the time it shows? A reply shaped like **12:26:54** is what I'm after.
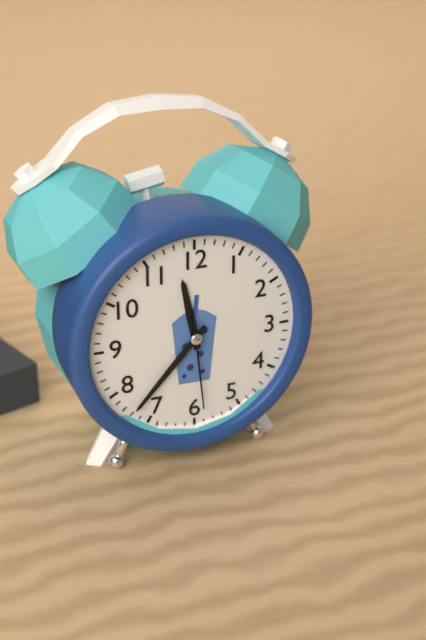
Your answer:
**11:37:29**
